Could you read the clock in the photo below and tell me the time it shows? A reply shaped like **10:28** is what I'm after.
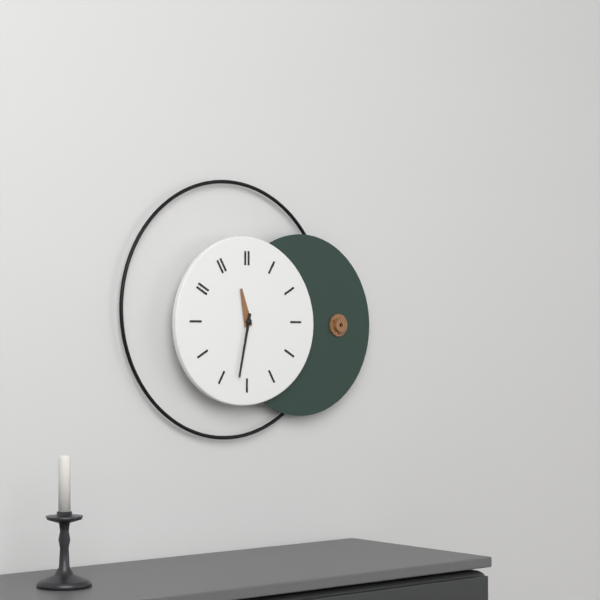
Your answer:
**11:32**
